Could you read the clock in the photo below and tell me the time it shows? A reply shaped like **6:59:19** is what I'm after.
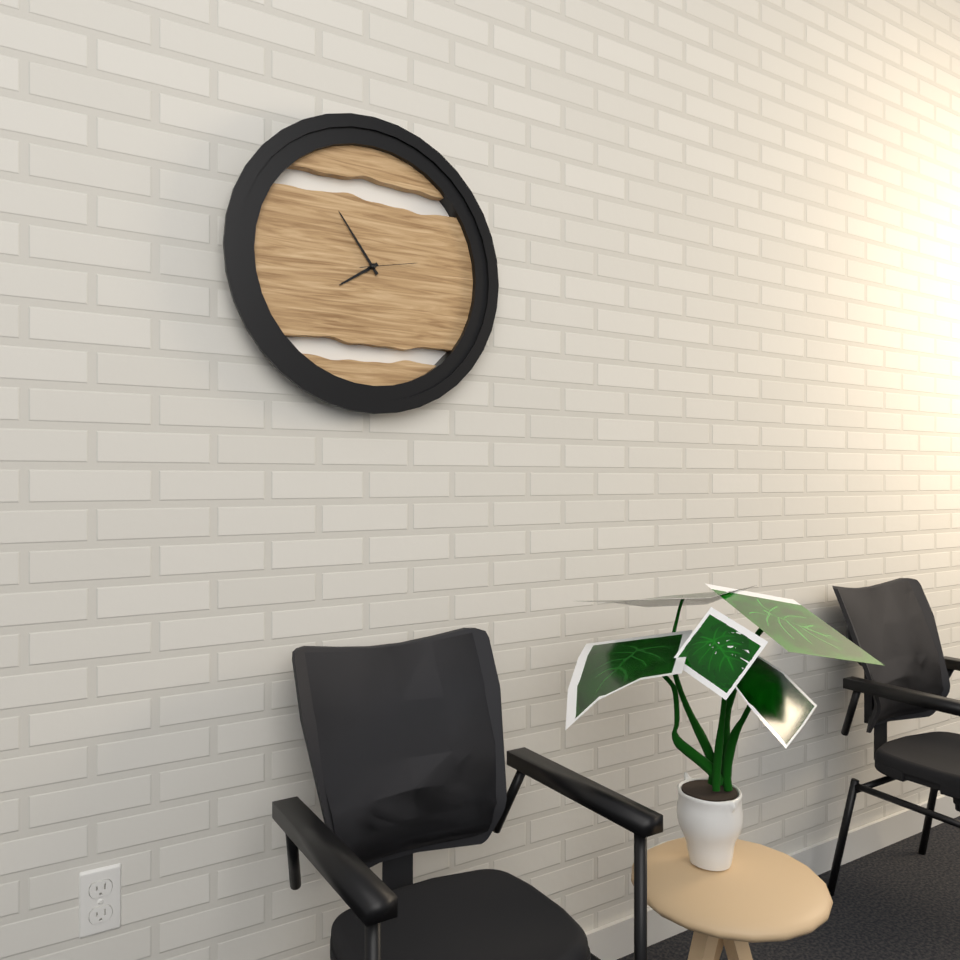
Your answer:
**7:54:13**
